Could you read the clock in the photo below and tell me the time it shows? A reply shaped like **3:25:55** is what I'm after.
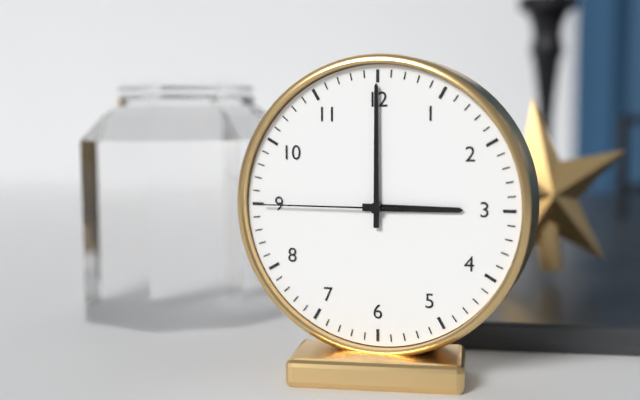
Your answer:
**3:00:45**
